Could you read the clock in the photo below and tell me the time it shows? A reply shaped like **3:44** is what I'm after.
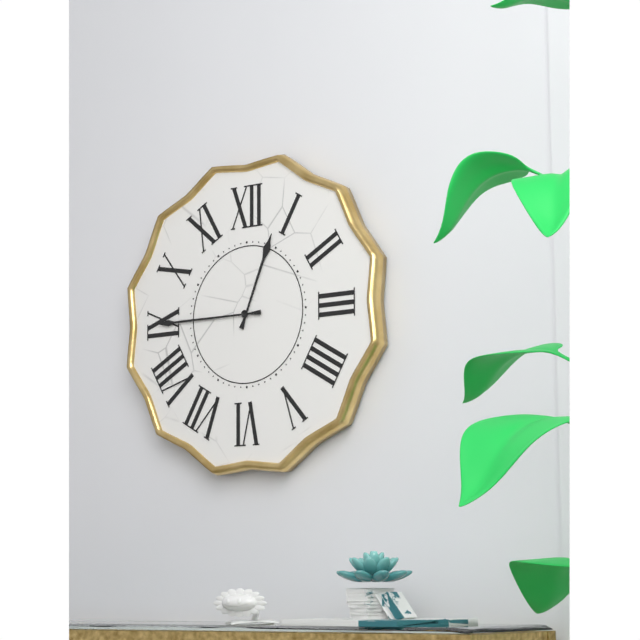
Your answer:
**12:45**
